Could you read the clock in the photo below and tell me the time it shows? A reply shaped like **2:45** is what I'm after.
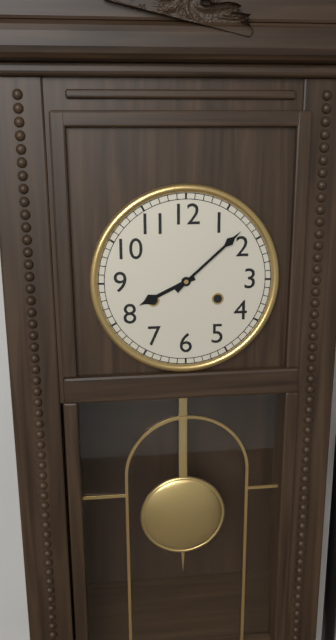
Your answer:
**8:08**
